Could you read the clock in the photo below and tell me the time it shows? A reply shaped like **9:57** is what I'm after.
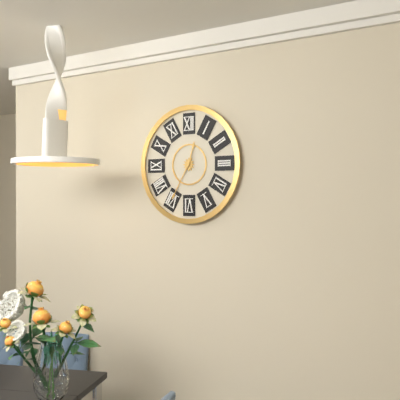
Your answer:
**12:35**
